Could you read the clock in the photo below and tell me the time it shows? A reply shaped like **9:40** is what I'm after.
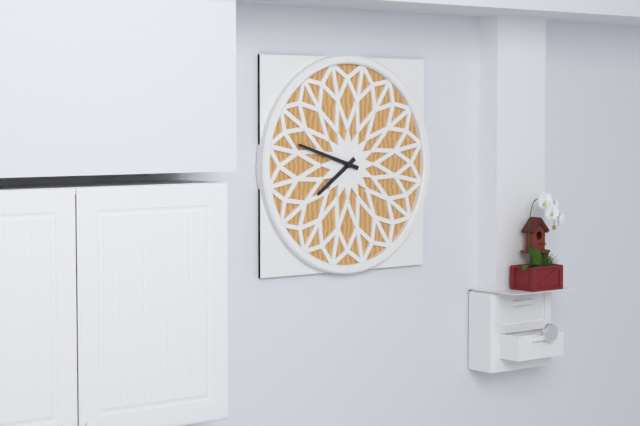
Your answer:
**7:48**
